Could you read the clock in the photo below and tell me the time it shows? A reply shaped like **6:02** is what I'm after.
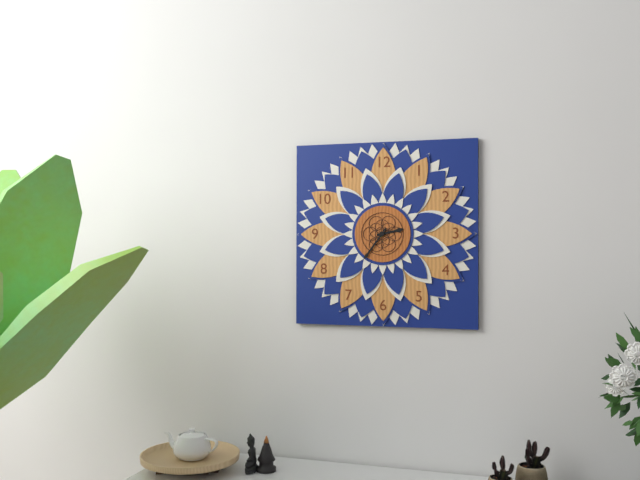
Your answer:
**2:36**
